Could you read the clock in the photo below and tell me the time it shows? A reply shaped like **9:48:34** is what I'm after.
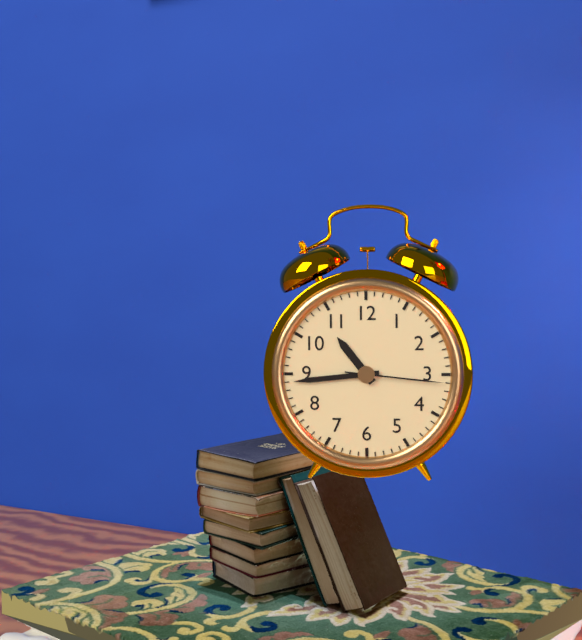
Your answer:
**10:44:16**
